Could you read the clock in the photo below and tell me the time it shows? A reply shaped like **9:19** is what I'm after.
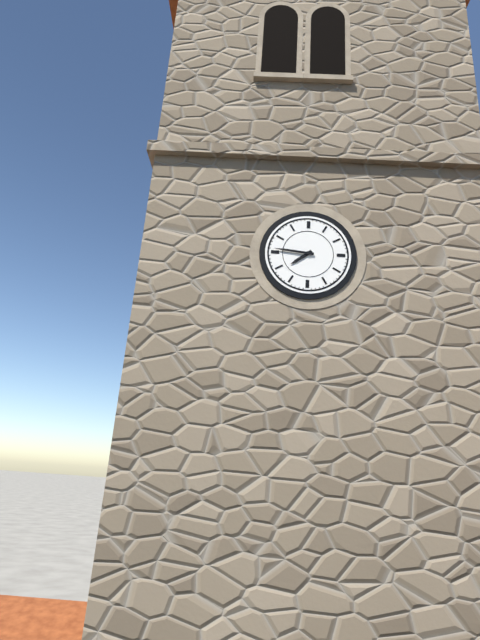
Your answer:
**7:46**
